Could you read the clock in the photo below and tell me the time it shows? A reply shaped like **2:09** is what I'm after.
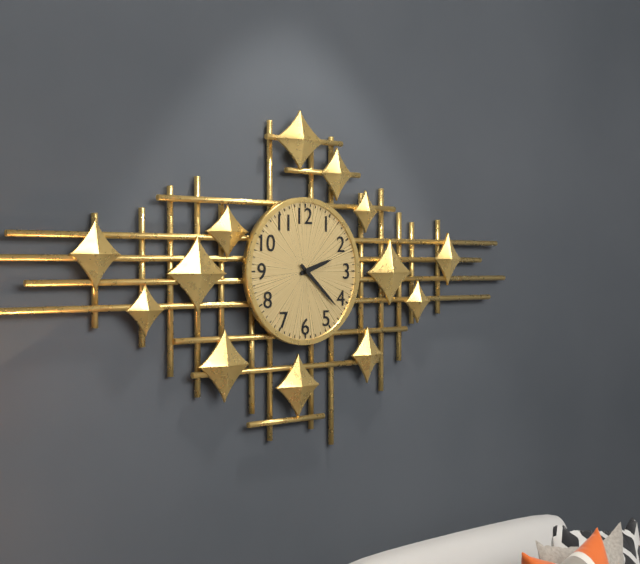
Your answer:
**2:22**
